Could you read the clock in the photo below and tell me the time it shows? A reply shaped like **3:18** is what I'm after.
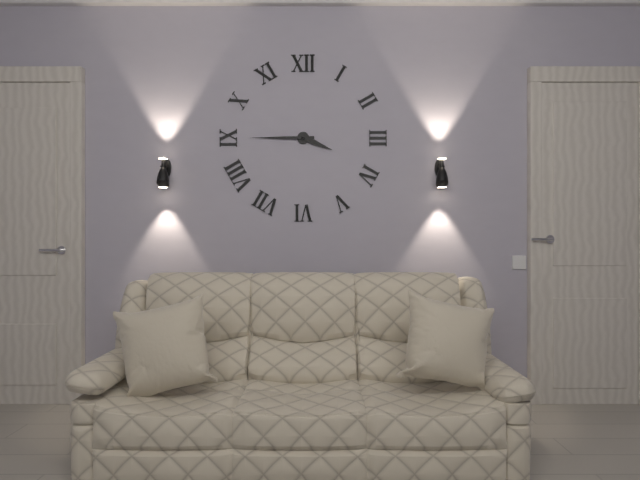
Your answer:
**3:45**
